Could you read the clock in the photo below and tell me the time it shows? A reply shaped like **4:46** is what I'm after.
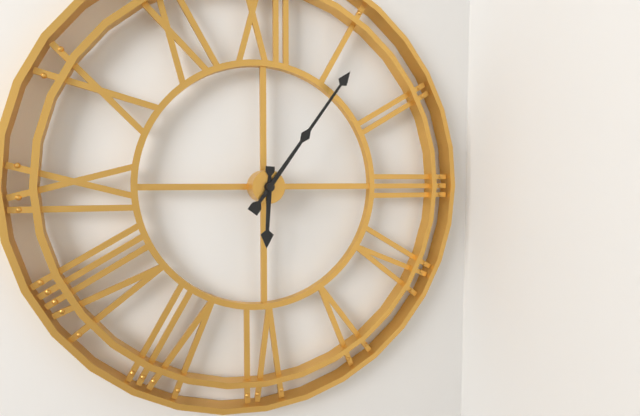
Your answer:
**6:06**
